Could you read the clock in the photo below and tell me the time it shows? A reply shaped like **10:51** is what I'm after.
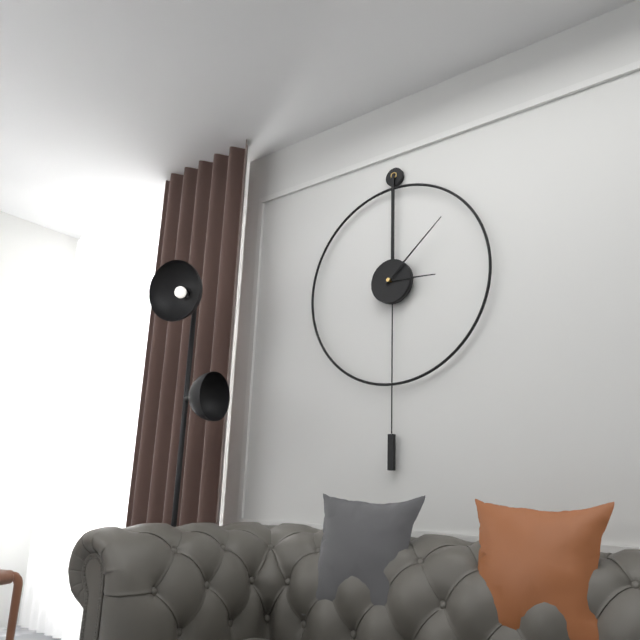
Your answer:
**3:08**
